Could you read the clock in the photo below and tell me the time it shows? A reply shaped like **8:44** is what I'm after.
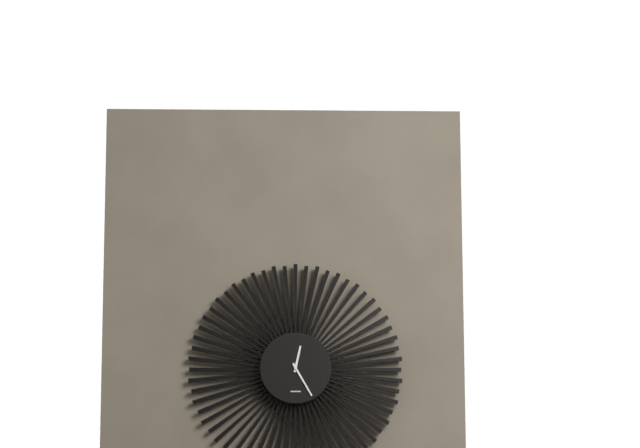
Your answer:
**12:25**
